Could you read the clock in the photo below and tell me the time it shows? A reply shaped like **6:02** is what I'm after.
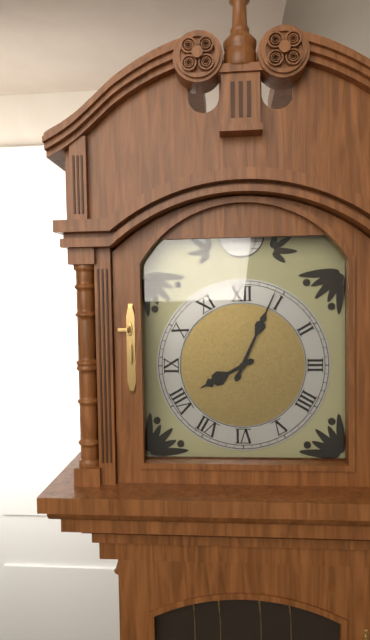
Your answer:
**8:04**
